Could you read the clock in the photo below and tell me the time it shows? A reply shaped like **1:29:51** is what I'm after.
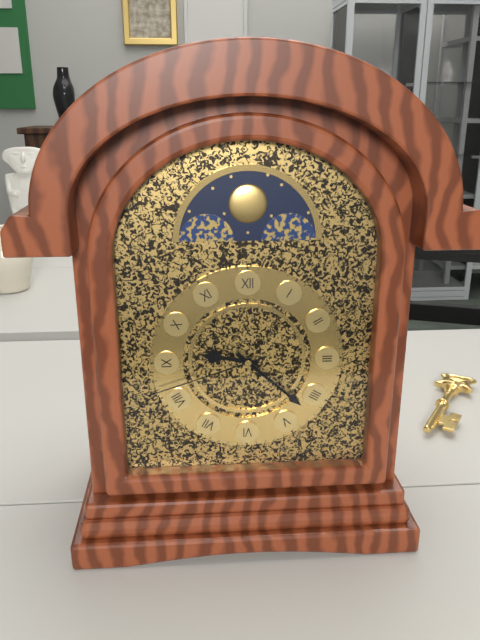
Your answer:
**9:22:42**
